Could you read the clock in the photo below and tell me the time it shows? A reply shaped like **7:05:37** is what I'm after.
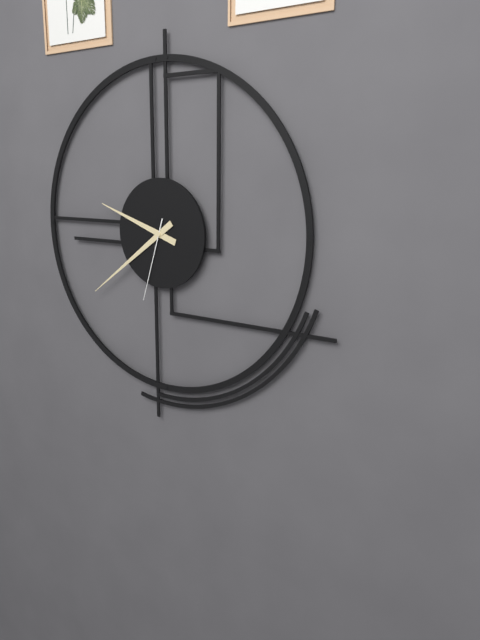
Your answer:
**9:39:33**
